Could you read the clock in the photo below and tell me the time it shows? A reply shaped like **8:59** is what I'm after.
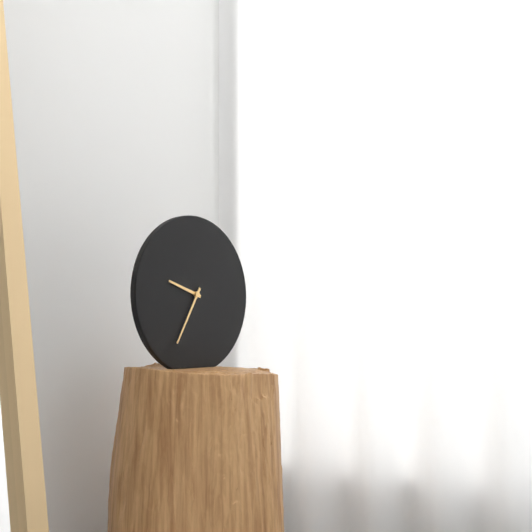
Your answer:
**9:35**
